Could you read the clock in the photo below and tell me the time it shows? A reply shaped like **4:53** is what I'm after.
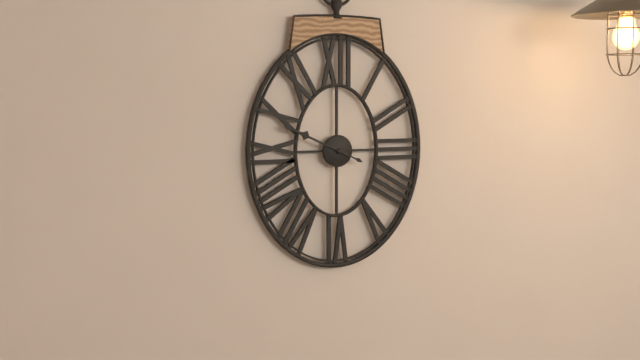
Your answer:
**9:49**
